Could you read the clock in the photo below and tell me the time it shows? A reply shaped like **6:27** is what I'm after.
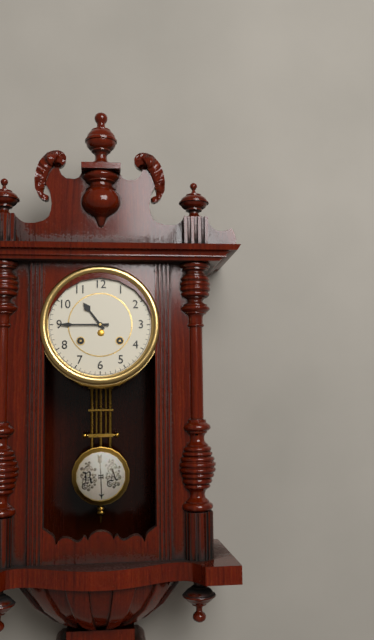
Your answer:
**10:45**
